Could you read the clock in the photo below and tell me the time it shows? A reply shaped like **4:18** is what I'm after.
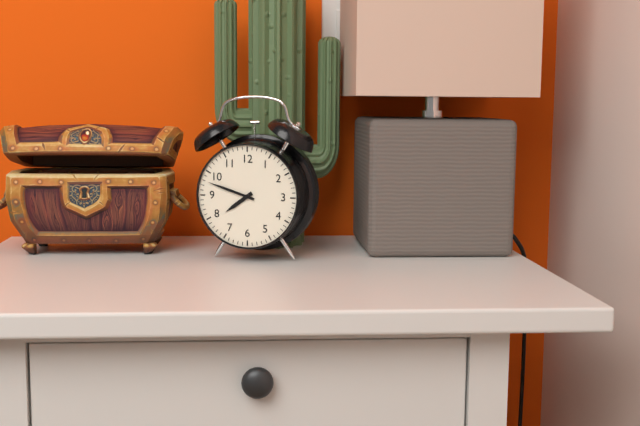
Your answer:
**7:48**
